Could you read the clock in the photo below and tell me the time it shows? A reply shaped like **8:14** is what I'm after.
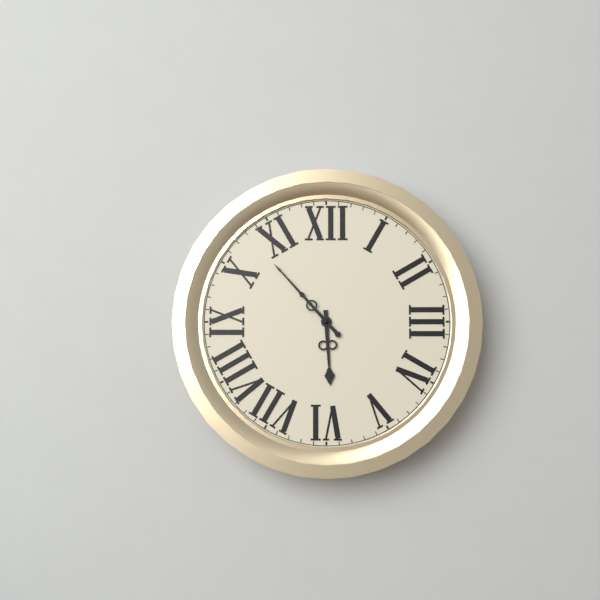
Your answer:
**5:53**
